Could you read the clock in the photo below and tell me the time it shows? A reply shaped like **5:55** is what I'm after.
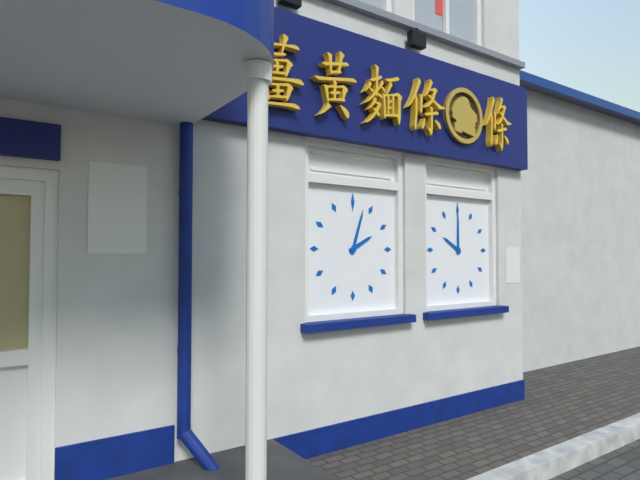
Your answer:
**2:03**
